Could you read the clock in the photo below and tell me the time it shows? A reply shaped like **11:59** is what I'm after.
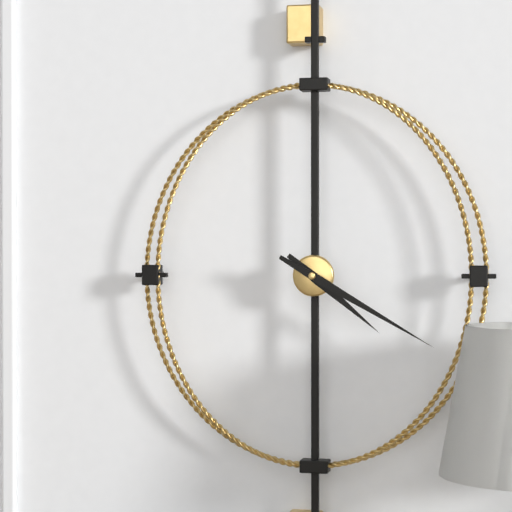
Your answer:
**4:20**
